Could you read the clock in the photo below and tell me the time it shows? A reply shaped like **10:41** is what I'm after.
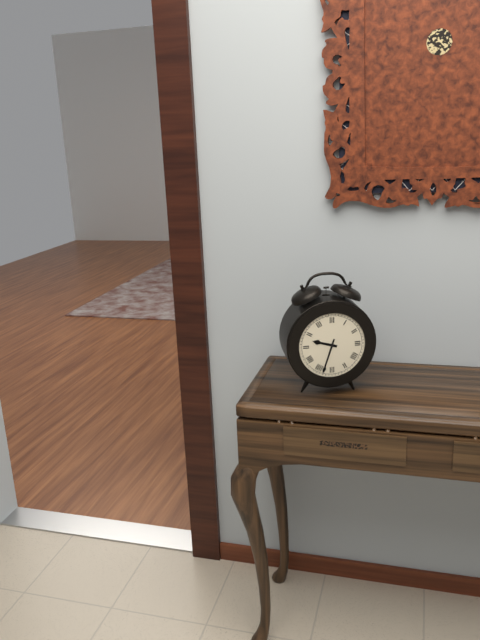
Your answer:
**9:33**
